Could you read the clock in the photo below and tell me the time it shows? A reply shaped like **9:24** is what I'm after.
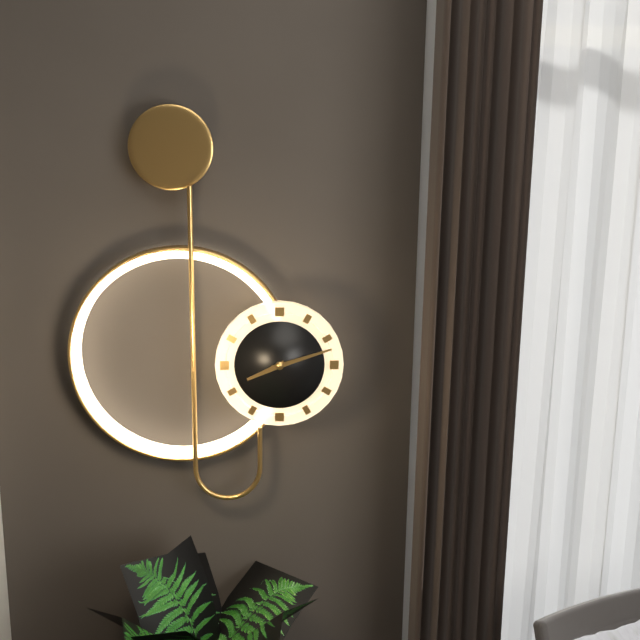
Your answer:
**8:12**
